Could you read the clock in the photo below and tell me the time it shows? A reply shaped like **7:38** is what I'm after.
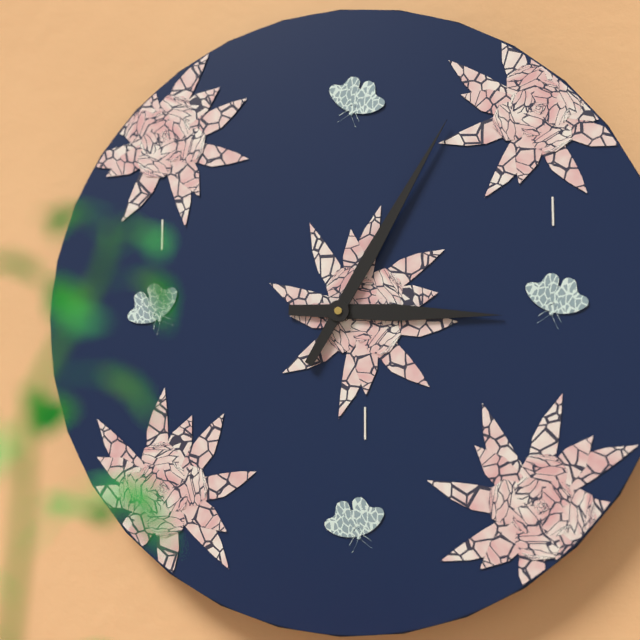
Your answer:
**3:05**
